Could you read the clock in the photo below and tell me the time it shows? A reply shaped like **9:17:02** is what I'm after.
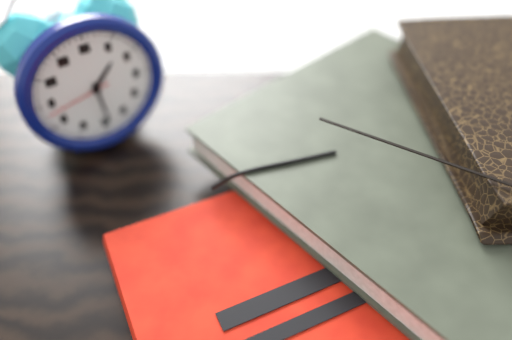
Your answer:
**1:29:43**
